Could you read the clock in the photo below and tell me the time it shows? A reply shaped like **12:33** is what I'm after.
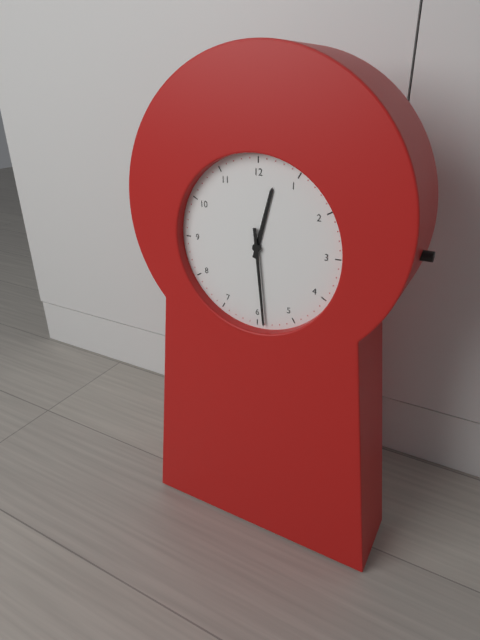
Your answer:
**12:29**
